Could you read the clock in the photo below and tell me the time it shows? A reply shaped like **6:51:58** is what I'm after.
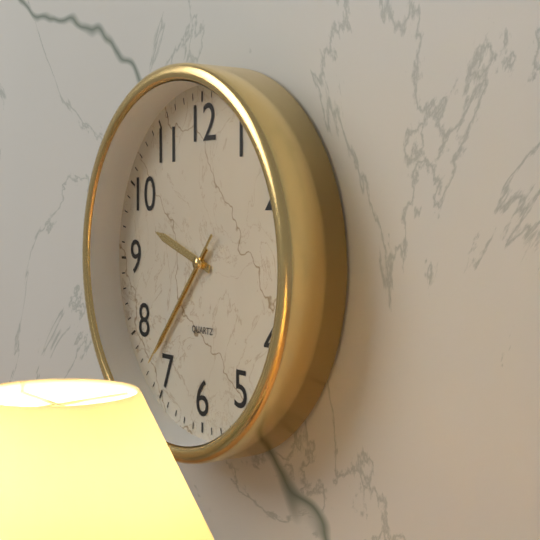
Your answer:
**9:37:37**
